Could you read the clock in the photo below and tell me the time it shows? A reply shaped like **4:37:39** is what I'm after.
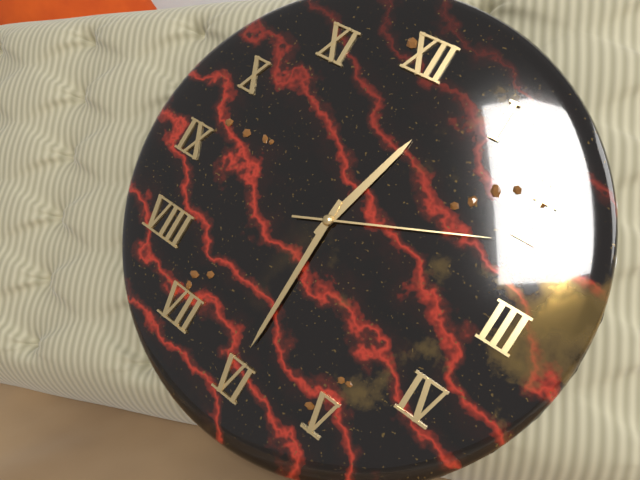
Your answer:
**12:30:11**
